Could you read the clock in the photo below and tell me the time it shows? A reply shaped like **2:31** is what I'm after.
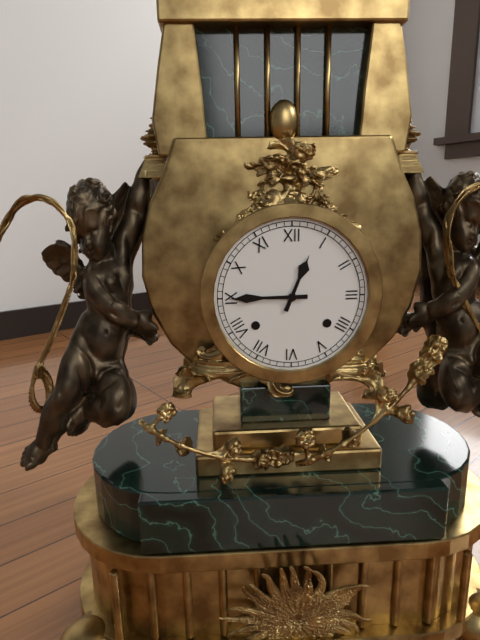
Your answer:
**12:45**
